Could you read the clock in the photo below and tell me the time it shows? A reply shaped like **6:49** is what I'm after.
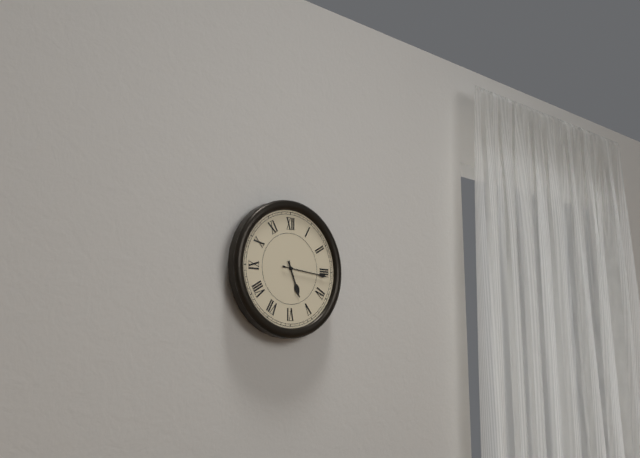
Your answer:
**5:16**
